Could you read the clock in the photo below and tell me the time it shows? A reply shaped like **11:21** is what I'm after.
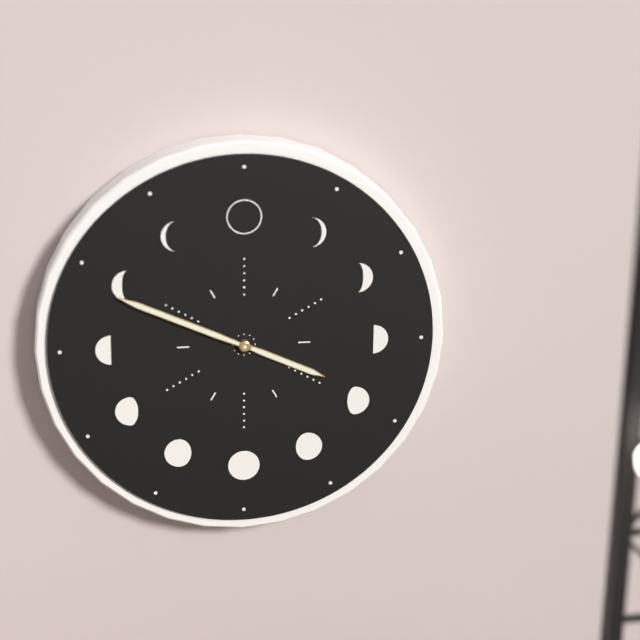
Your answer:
**3:49**
